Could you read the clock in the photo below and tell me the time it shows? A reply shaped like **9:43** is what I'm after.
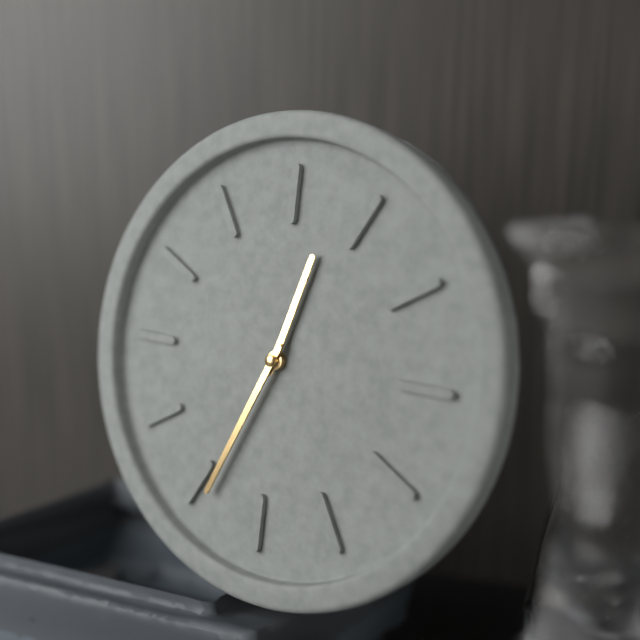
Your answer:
**12:34**
